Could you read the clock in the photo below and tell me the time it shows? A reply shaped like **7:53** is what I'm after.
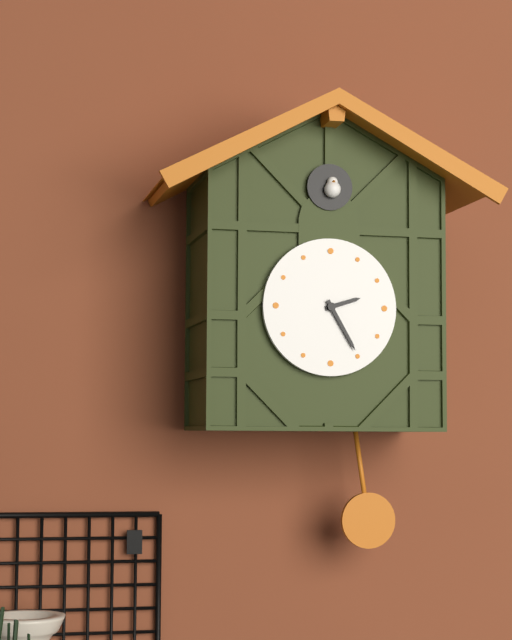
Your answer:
**2:25**
